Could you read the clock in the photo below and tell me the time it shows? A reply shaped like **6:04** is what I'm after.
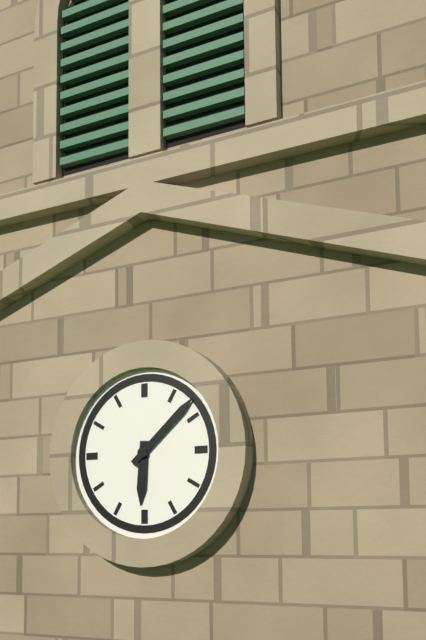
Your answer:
**6:08**
